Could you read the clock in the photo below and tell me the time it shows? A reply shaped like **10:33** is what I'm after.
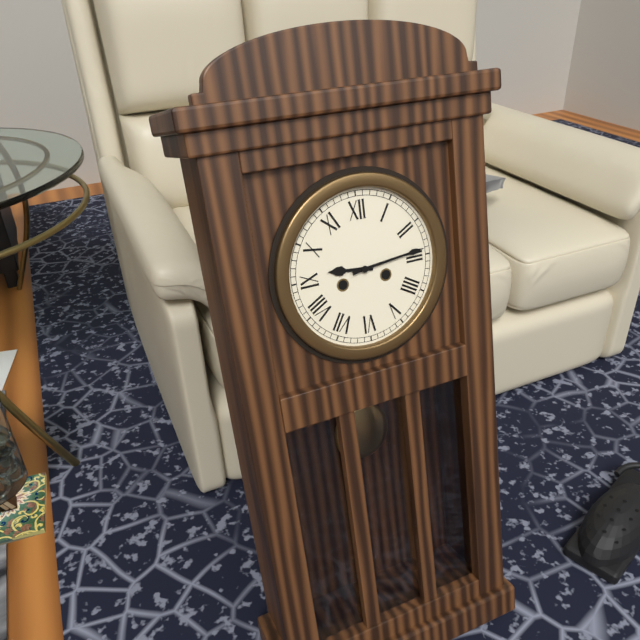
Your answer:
**9:14**
